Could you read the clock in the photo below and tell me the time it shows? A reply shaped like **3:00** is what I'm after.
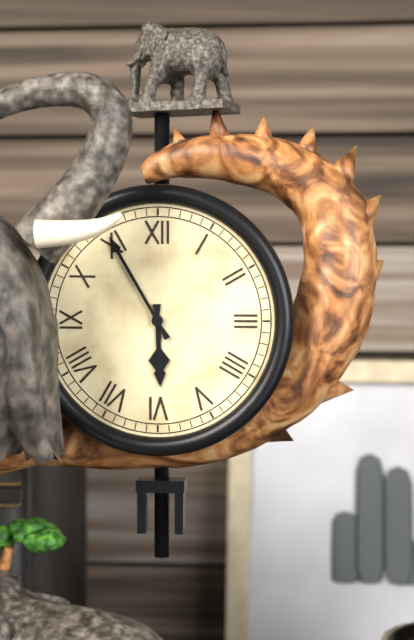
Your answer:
**5:55**
